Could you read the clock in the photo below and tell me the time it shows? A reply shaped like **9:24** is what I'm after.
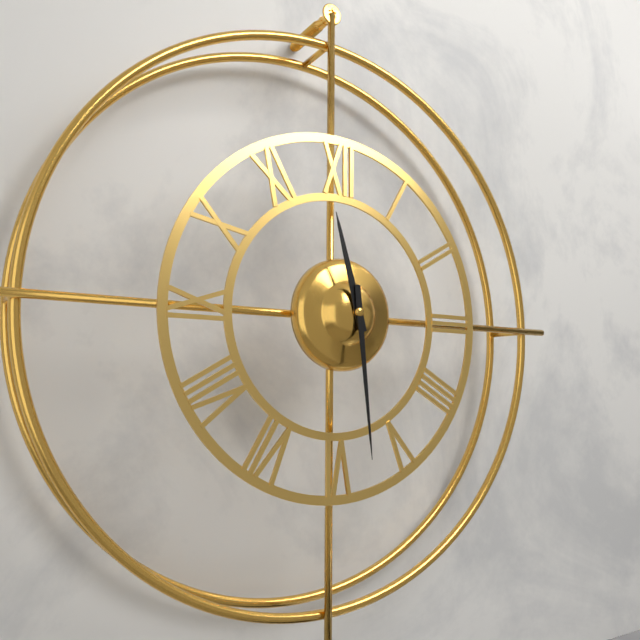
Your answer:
**11:29**
